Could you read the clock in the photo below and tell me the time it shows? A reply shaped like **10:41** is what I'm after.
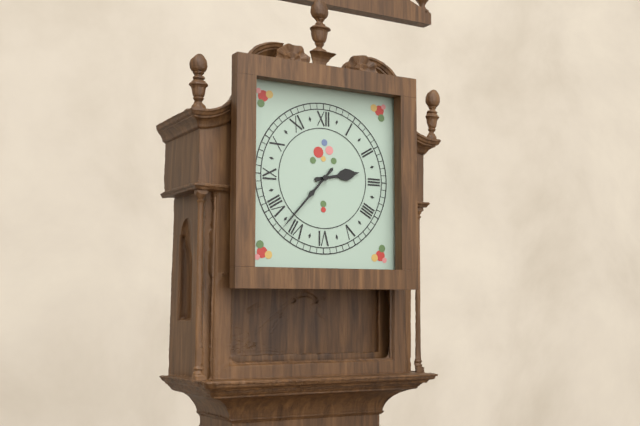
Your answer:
**2:37**
